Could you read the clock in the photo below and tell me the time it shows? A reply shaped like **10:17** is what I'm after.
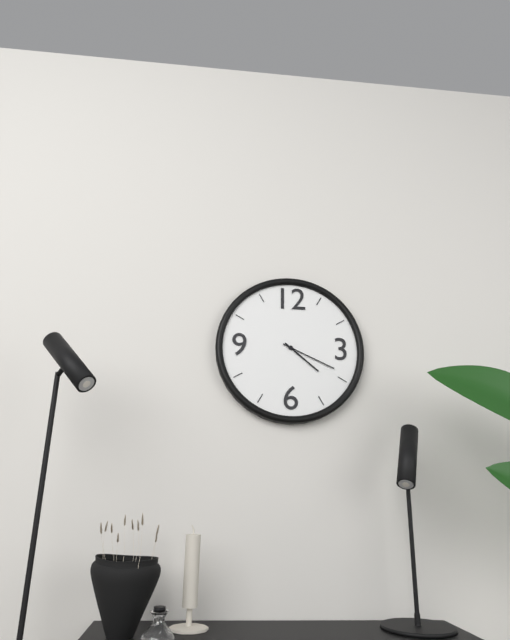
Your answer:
**4:19**
